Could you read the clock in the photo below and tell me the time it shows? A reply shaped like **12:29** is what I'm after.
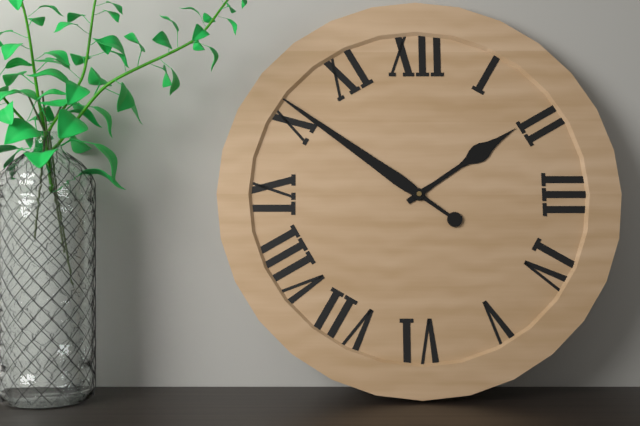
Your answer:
**1:51**
